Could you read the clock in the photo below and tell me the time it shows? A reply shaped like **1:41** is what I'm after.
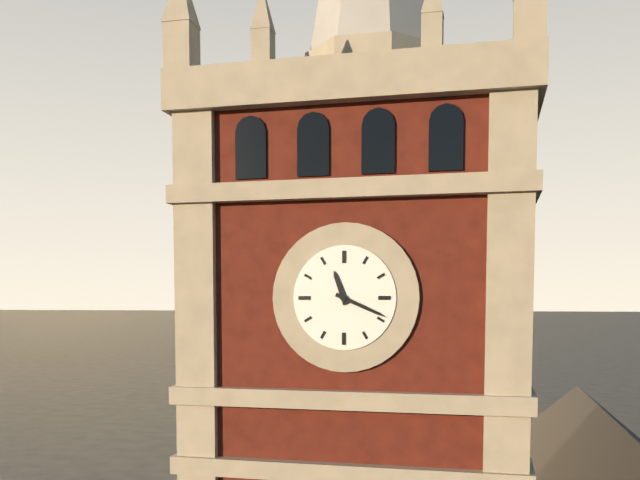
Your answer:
**11:19**
